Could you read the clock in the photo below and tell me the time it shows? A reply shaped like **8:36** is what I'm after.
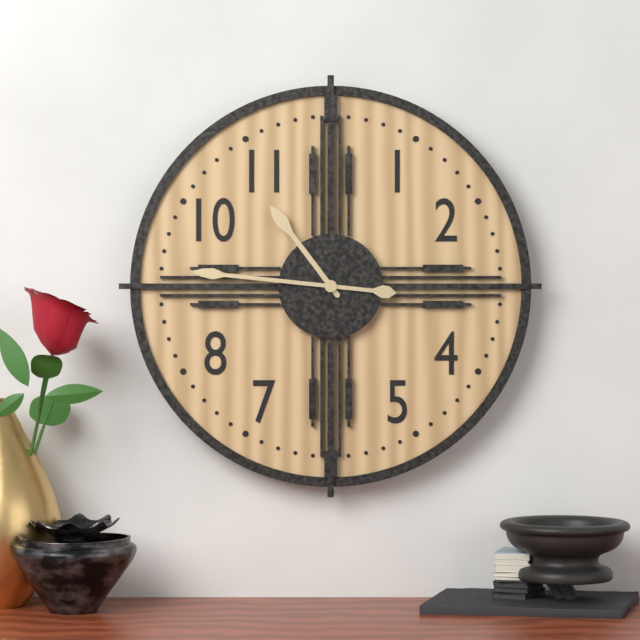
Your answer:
**10:46**
